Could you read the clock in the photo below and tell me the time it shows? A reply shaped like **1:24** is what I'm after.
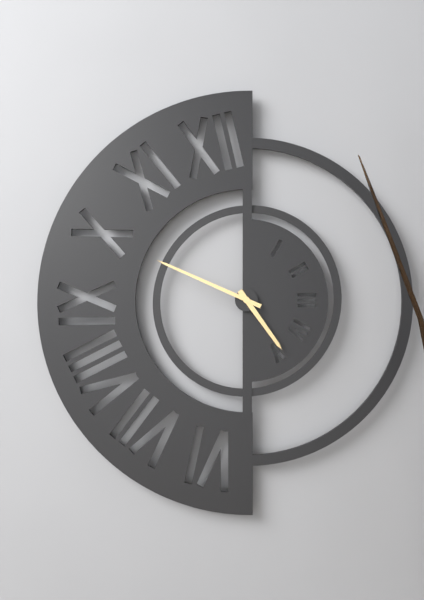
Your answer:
**4:49**
